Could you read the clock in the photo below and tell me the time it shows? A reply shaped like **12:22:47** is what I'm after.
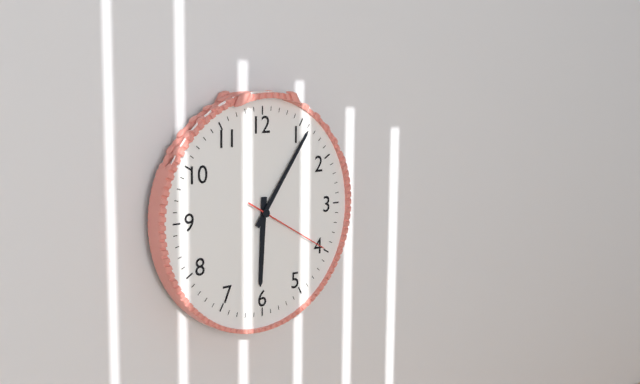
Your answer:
**6:06:20**
